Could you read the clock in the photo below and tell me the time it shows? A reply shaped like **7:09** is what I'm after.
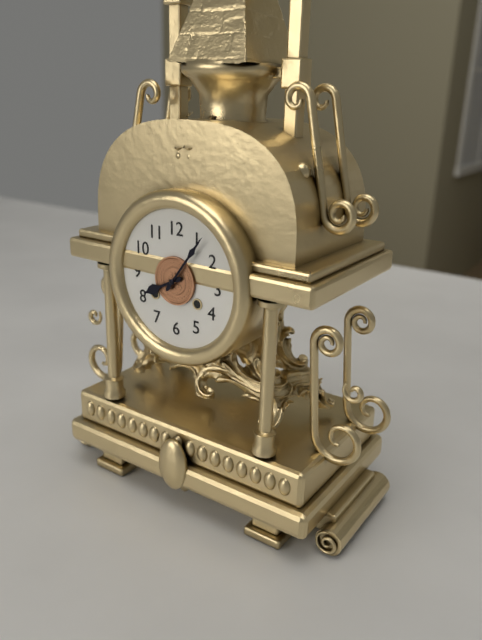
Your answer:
**8:06**
